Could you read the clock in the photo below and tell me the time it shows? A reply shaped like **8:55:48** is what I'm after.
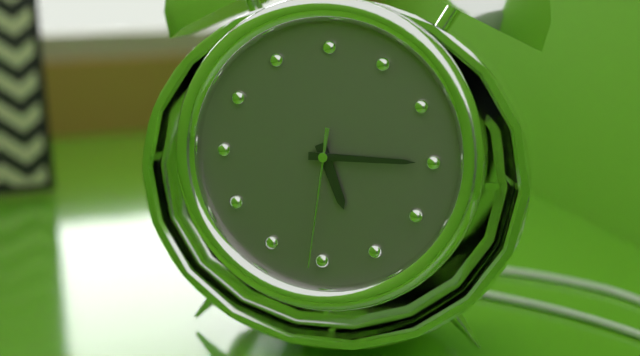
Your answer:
**5:15:31**
